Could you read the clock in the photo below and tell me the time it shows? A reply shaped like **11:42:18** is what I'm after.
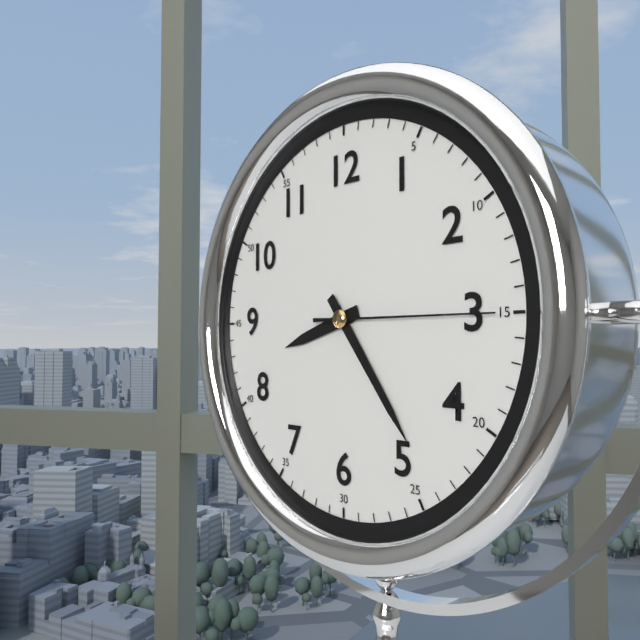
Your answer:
**8:24:15**
